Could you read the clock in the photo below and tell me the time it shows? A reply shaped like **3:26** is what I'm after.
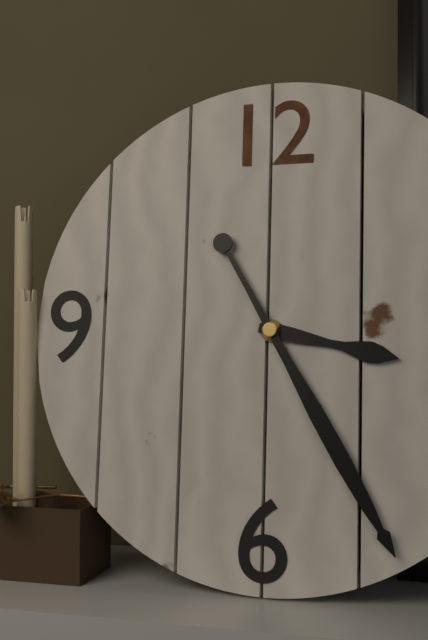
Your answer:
**3:25**
